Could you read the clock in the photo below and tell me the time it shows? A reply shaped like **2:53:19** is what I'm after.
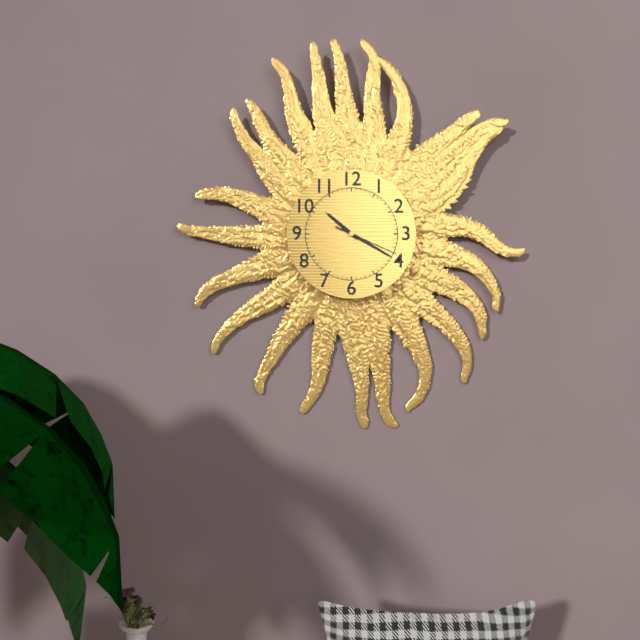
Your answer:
**10:20:19**
